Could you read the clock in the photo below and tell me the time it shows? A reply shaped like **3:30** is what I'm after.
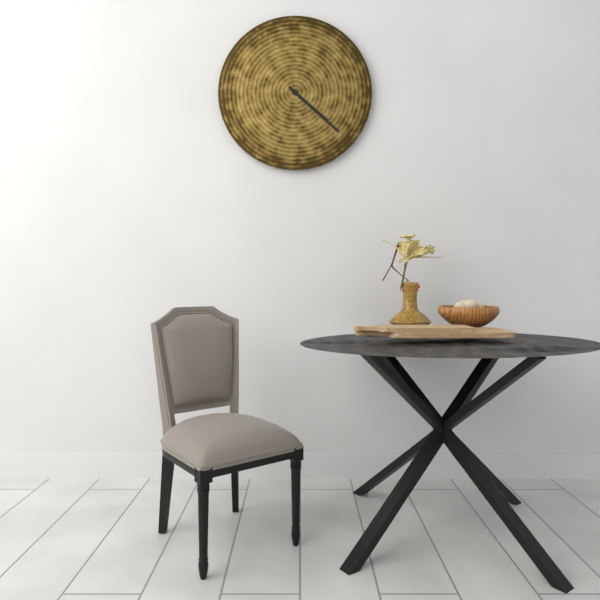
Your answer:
**4:22**
